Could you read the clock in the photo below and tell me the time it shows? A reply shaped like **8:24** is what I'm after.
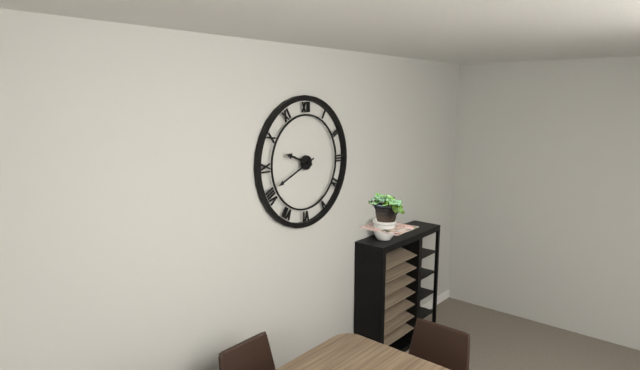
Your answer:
**9:41**
